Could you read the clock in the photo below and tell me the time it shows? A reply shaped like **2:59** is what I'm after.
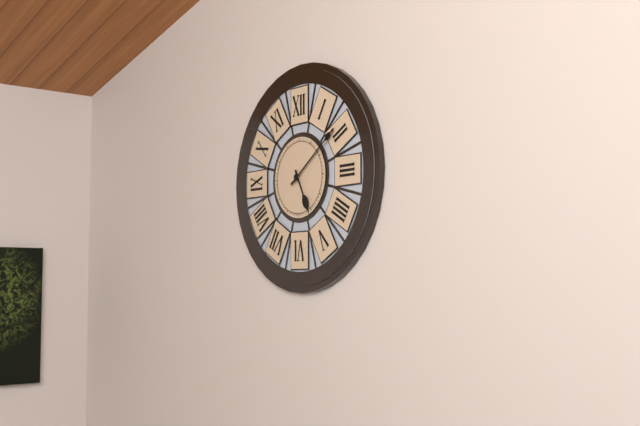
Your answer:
**5:09**
